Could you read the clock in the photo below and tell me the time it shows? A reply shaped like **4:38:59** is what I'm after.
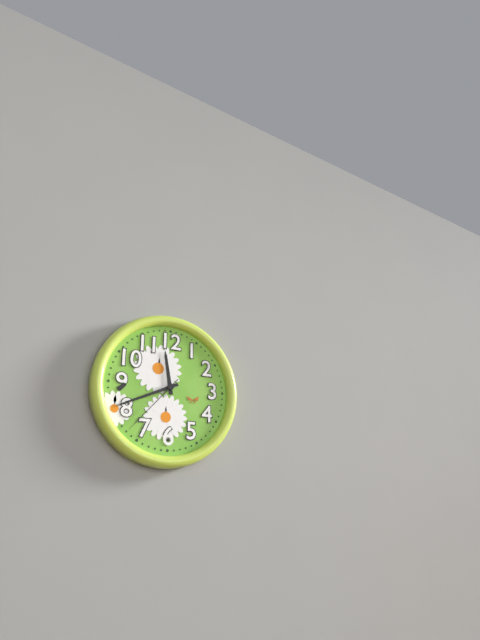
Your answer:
**11:41:37**
